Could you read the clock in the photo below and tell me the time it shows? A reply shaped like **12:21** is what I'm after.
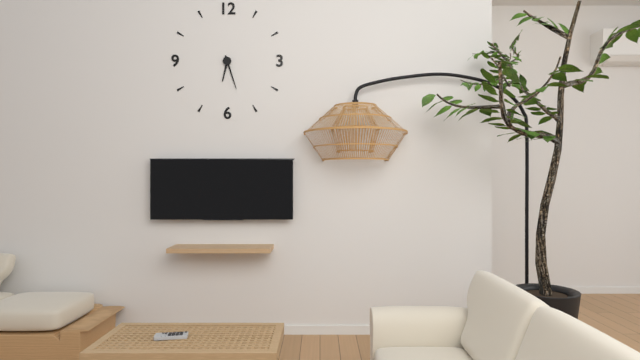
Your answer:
**6:27**
